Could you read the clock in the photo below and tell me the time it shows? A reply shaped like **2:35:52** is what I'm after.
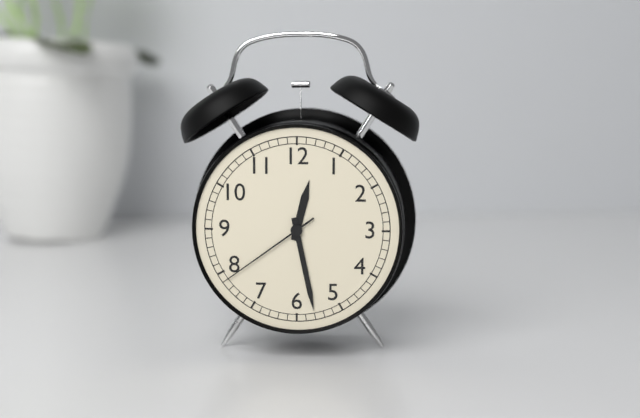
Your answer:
**12:28:39**
